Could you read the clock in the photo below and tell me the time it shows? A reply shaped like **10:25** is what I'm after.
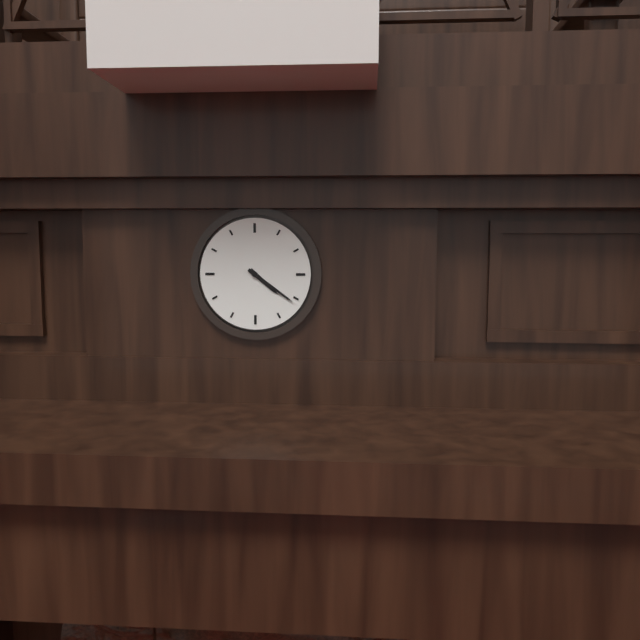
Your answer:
**4:21**
